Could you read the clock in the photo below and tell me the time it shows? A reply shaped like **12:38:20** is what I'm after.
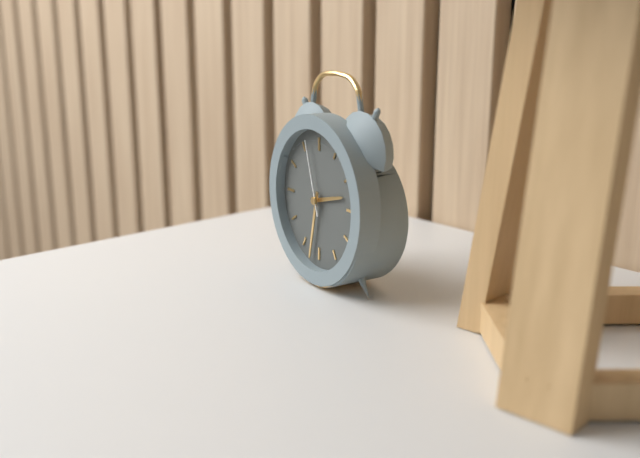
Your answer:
**2:32:57**
